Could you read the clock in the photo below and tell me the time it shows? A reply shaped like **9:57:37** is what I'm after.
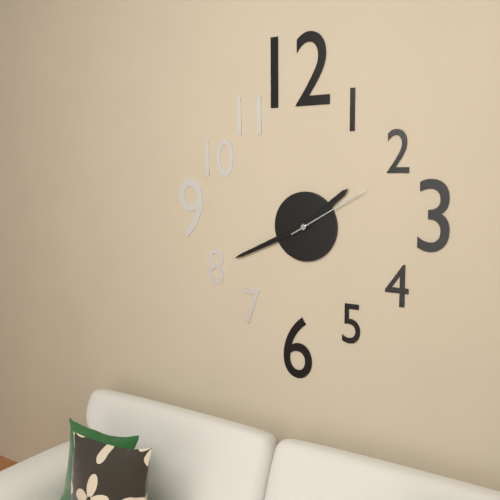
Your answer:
**1:41:10**
